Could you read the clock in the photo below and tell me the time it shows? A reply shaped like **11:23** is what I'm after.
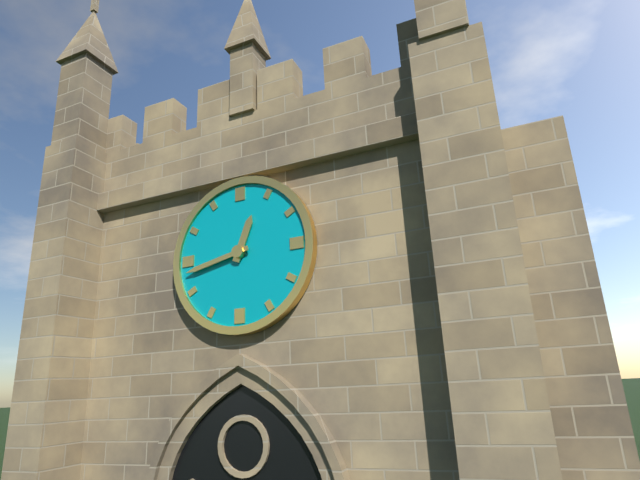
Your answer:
**12:43**
